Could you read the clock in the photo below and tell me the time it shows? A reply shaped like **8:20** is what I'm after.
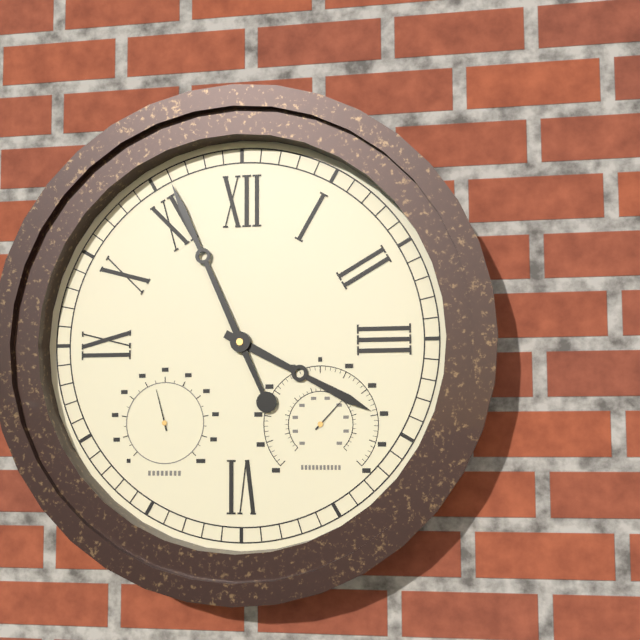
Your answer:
**3:56**
